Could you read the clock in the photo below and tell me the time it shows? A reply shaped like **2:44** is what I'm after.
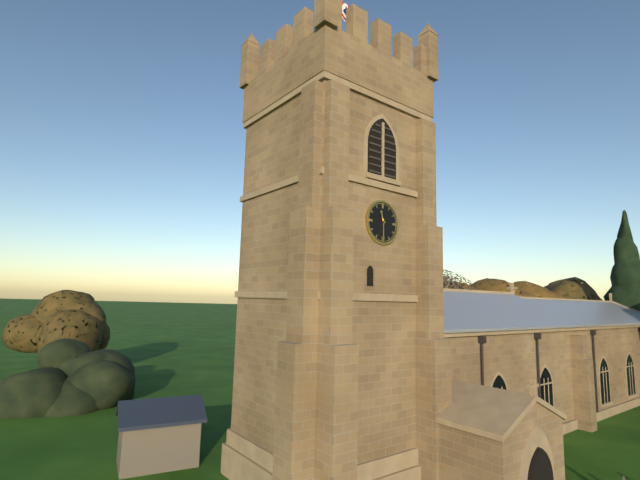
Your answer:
**11:30**
